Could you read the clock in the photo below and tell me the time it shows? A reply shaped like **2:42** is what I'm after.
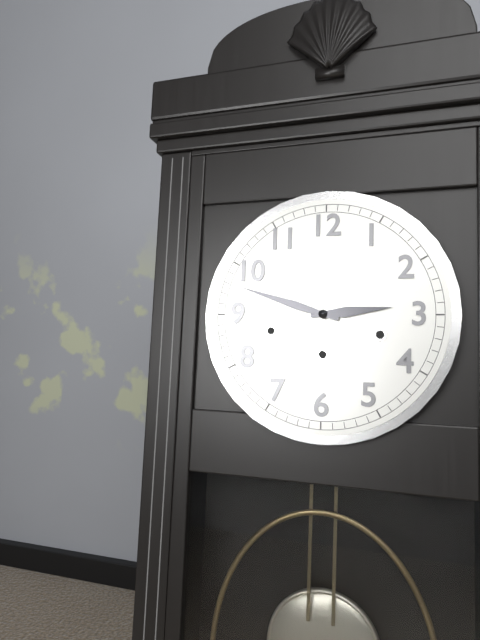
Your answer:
**2:48**
